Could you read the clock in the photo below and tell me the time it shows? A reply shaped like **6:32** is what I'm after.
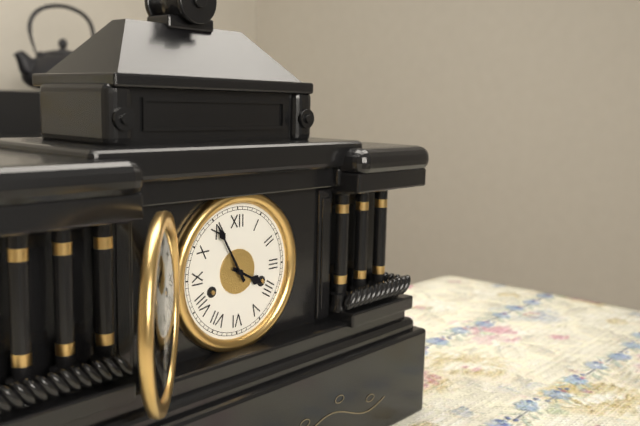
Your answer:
**3:55**
